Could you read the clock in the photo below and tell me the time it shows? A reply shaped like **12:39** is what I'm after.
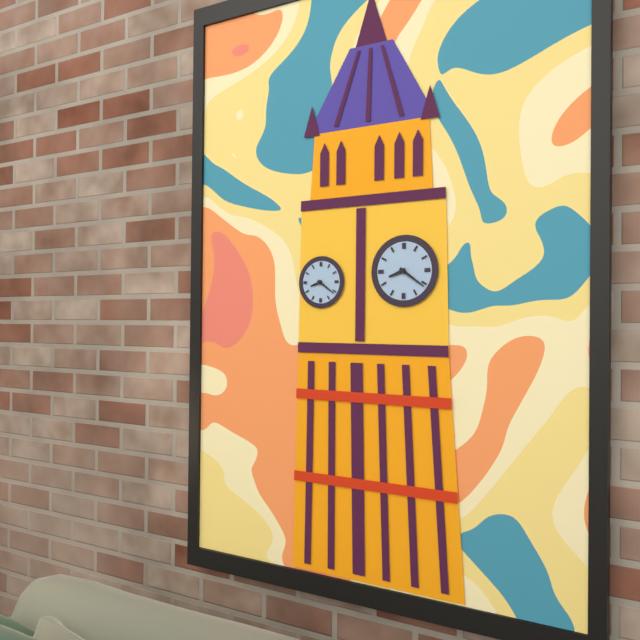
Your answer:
**8:21**
